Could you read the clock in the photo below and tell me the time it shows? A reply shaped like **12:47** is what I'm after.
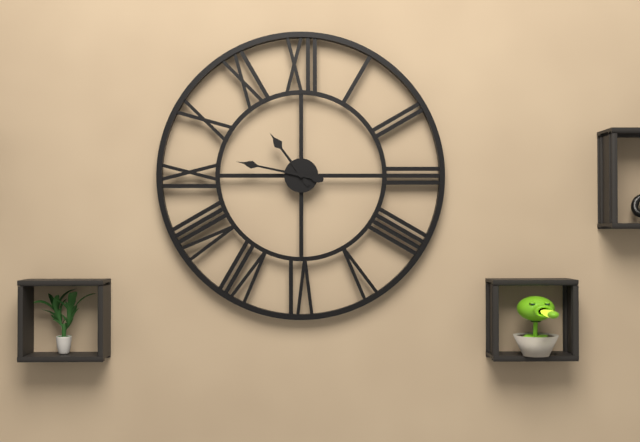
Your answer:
**10:47**
